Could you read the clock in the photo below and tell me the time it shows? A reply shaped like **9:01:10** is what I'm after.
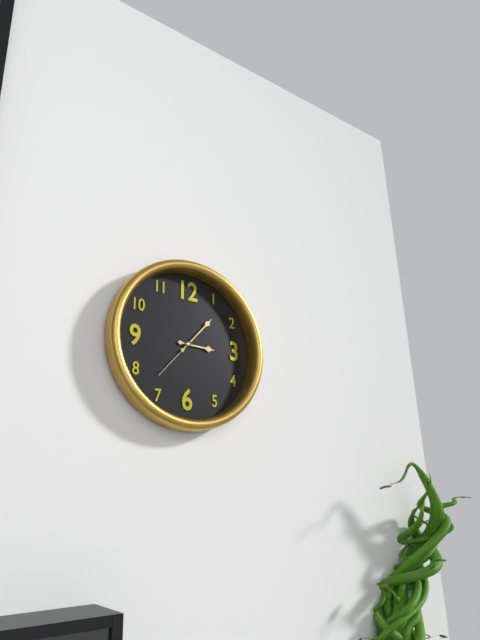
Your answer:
**3:07:37**
